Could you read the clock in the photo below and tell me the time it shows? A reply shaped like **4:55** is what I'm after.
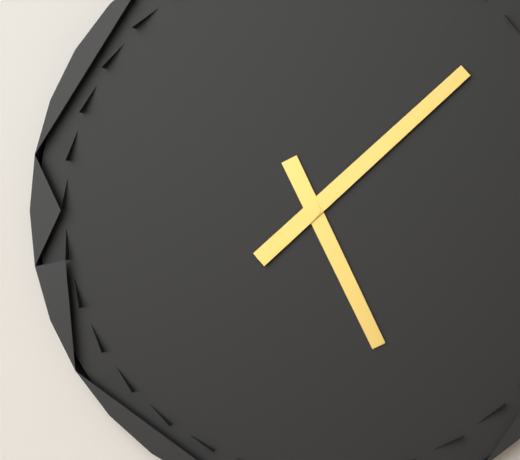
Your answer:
**5:08**
